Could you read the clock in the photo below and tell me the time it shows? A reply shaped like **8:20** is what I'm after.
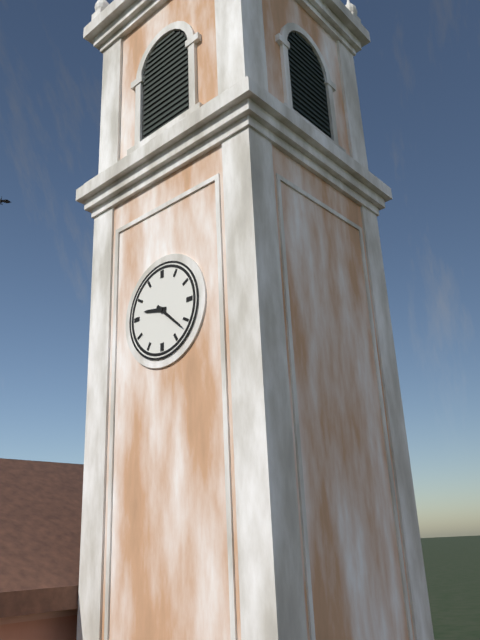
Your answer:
**9:22**
